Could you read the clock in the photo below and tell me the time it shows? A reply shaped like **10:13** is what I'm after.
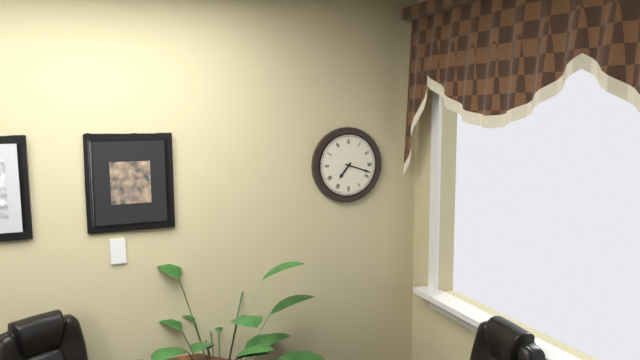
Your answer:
**7:18**
